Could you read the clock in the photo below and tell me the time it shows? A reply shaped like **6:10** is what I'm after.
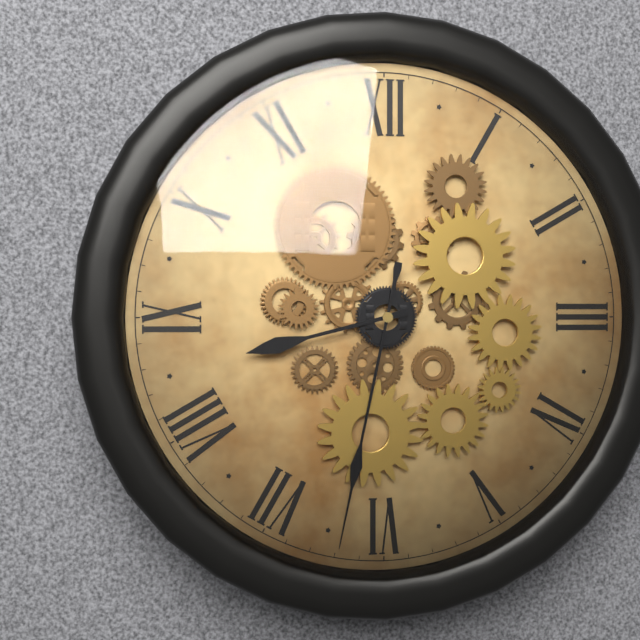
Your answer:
**8:32**
